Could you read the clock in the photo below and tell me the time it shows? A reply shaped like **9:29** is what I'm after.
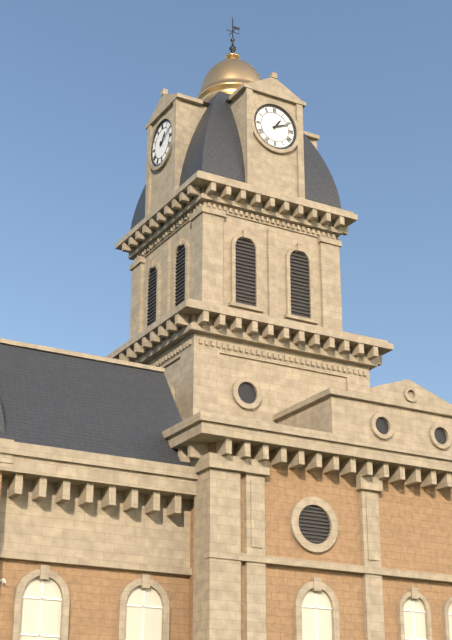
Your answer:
**1:11**
